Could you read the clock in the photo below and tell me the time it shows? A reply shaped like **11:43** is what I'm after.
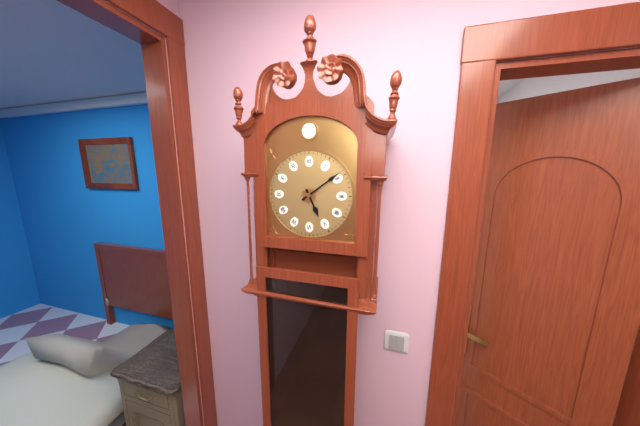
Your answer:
**5:09**
